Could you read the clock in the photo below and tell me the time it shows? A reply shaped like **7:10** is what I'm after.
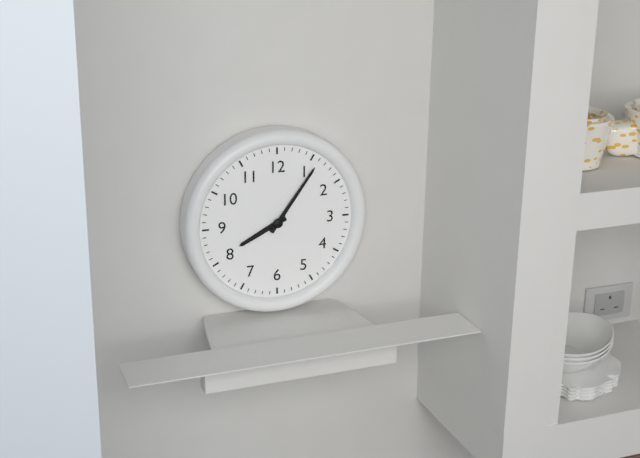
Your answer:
**8:06**
